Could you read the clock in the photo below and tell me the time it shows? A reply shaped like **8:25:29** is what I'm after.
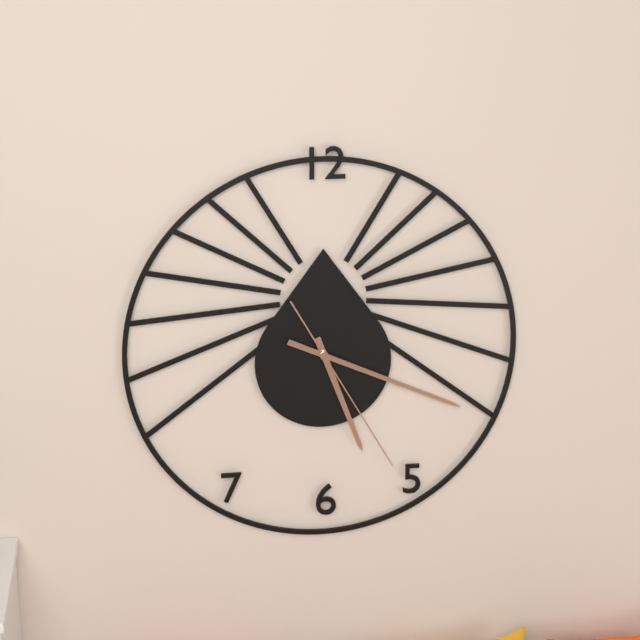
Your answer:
**5:19:25**
